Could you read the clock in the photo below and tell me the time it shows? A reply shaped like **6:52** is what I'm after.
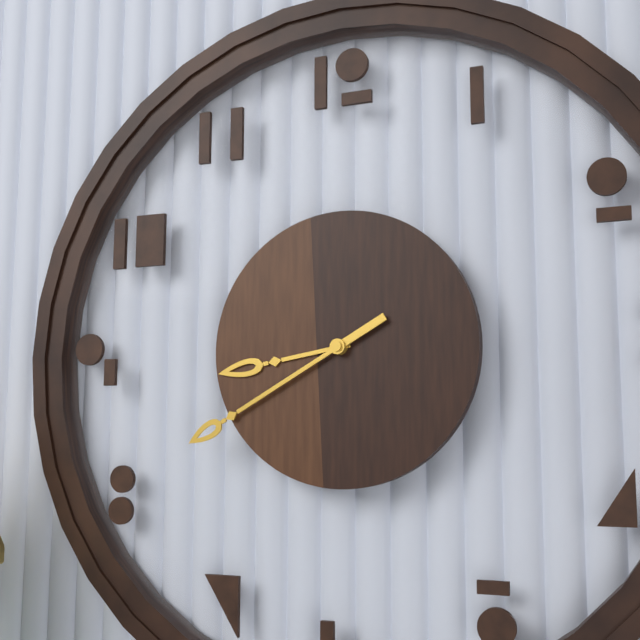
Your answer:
**8:40**
